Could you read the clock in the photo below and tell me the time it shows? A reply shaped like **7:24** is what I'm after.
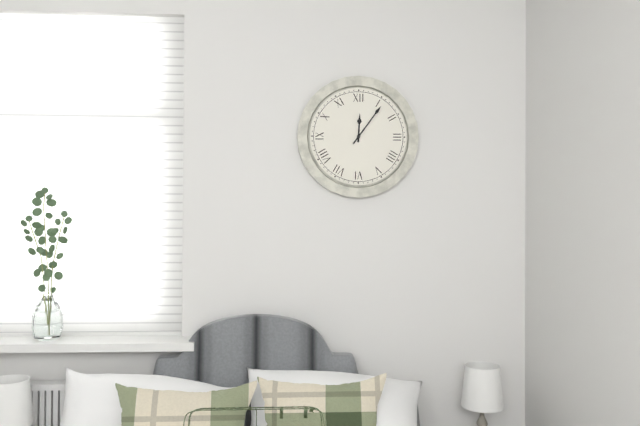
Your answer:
**12:06**
